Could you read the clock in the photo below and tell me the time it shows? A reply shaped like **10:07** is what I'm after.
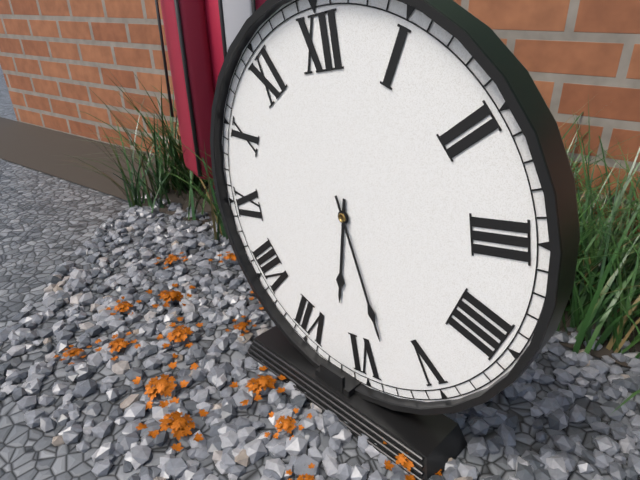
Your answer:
**6:28**
